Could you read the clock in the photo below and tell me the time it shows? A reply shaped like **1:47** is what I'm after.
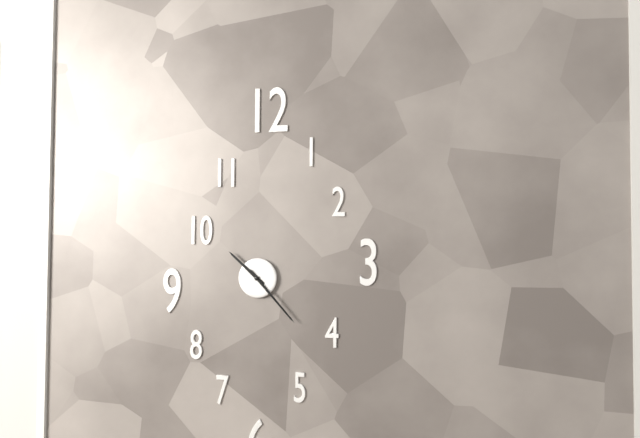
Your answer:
**10:23**
